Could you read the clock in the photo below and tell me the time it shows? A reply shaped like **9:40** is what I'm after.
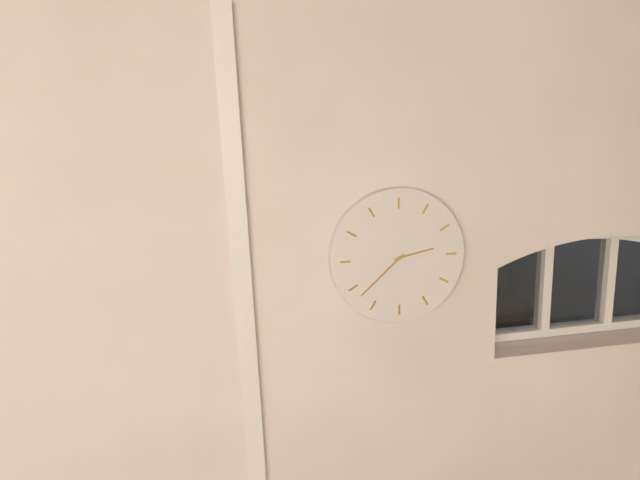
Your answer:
**2:38**
